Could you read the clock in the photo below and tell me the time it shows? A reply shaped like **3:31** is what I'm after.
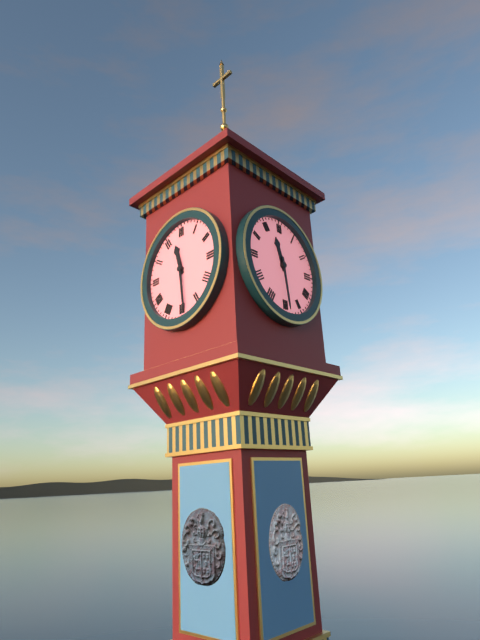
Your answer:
**11:29**
